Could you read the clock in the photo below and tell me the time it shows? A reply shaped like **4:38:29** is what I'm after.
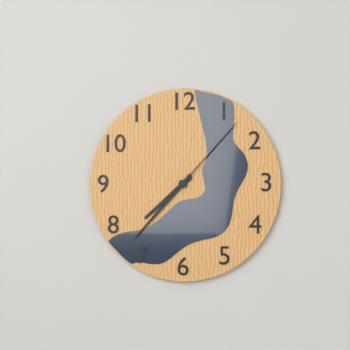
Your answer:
**7:37:07**
